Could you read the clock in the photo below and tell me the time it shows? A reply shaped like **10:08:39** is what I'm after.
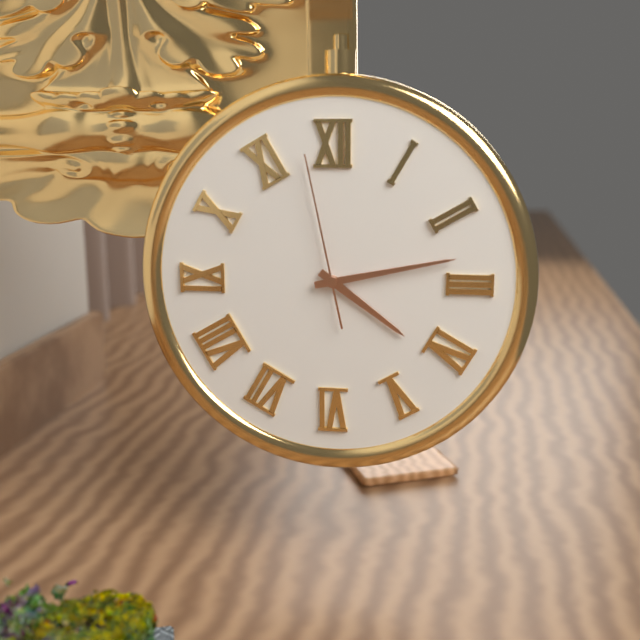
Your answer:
**4:13:58**
